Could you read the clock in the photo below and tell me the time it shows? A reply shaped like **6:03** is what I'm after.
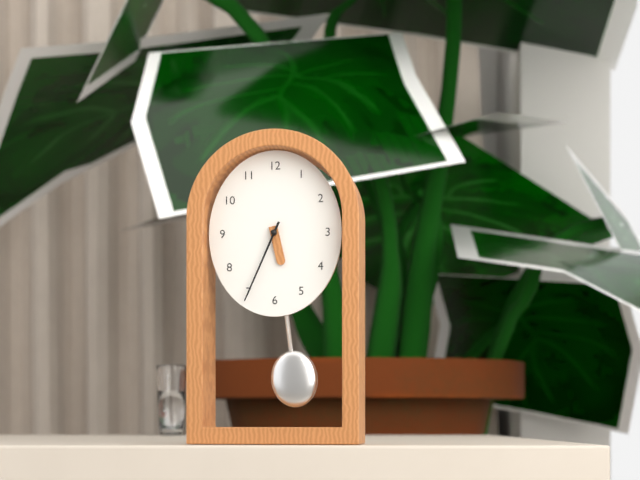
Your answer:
**5:34**
